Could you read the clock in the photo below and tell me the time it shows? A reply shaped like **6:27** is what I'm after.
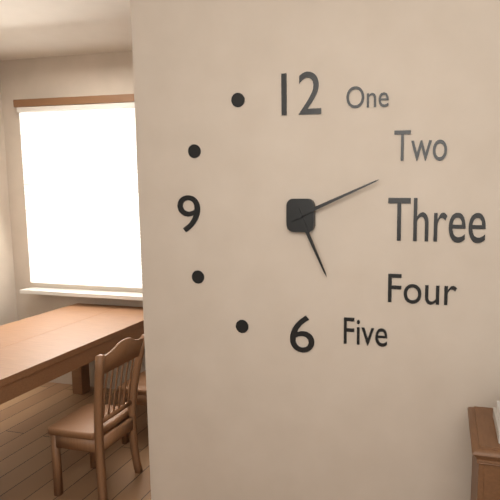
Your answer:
**5:11**
